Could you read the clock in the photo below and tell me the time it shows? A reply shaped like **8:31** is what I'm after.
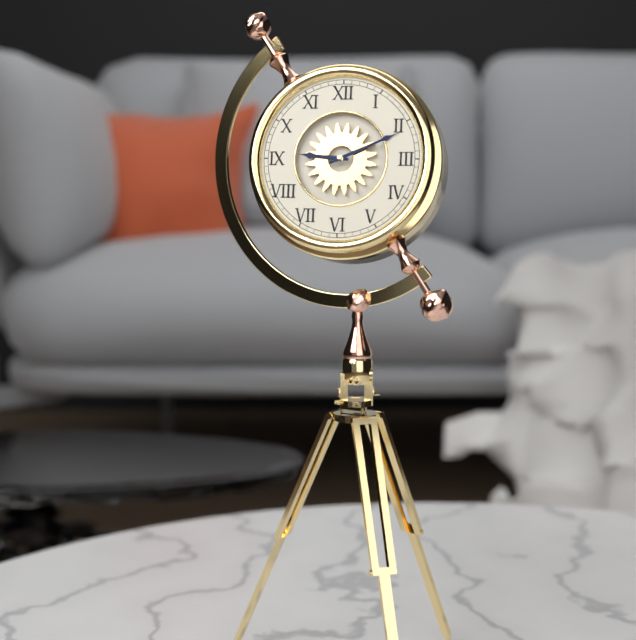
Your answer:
**9:11**
